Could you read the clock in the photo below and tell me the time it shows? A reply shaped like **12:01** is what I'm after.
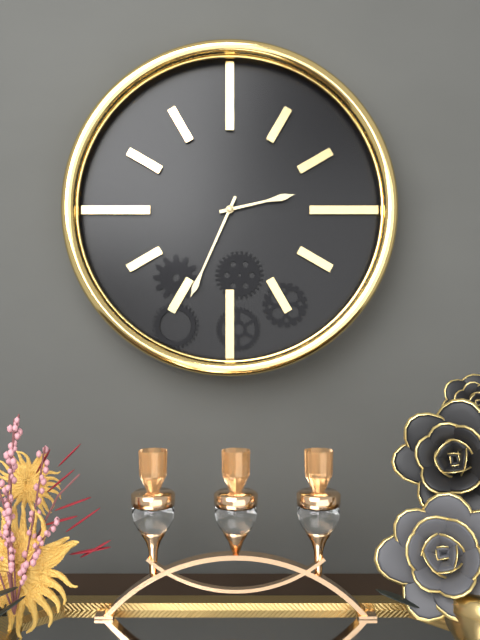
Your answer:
**2:34**
